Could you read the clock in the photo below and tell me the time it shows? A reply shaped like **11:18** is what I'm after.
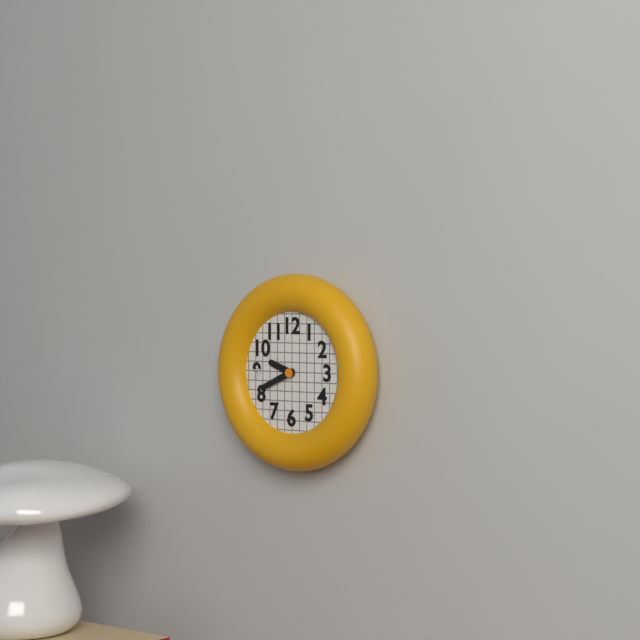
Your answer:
**9:41**
